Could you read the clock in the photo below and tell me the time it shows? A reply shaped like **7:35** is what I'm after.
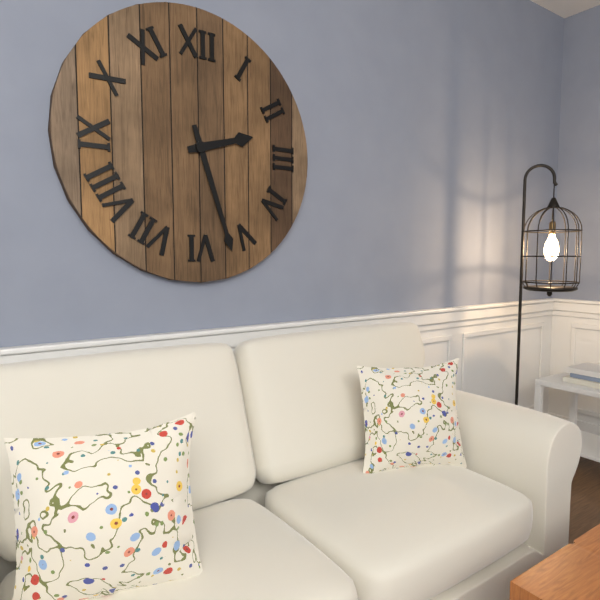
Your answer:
**2:27**
